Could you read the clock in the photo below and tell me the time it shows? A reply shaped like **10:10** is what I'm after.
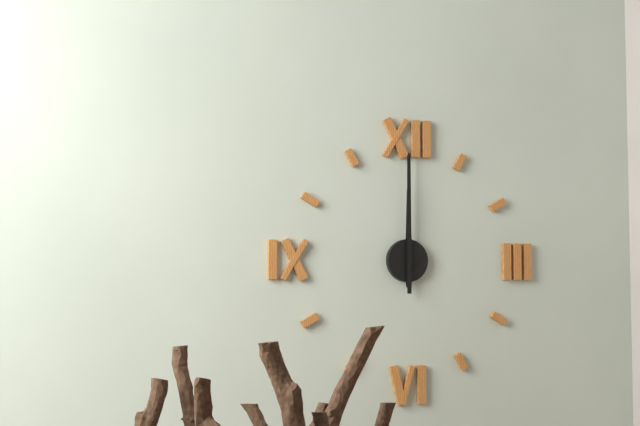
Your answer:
**12:00**
